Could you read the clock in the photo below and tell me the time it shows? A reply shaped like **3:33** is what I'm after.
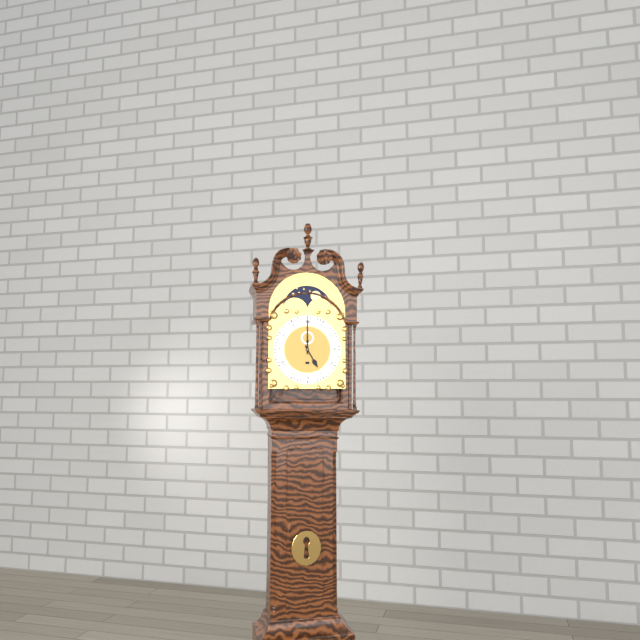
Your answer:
**5:00**
